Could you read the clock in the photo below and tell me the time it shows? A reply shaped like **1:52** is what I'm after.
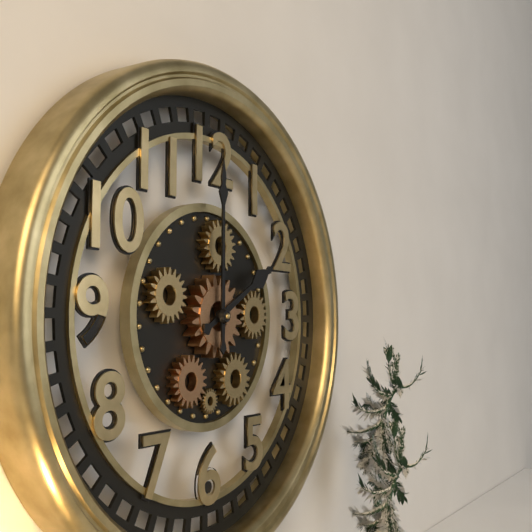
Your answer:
**2:00**
